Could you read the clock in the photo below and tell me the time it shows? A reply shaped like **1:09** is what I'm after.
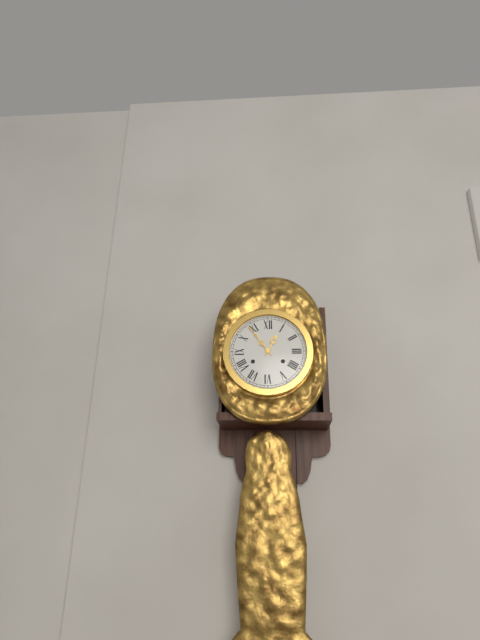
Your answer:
**12:54**
